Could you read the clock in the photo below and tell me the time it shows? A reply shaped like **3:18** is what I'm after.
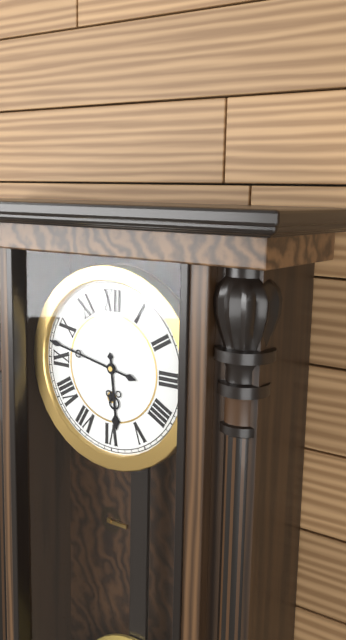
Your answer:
**5:47**
